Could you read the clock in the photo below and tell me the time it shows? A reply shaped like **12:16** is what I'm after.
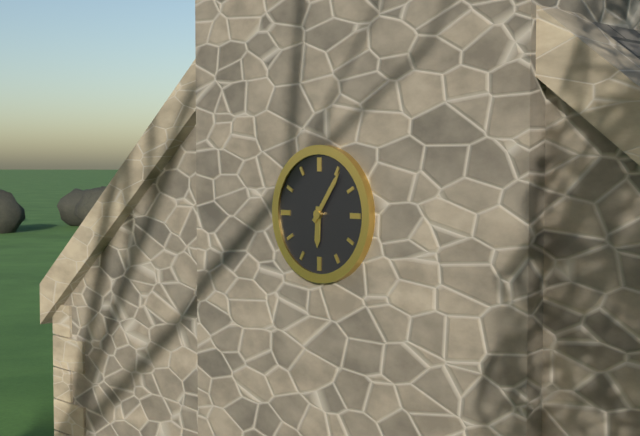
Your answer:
**6:06**
